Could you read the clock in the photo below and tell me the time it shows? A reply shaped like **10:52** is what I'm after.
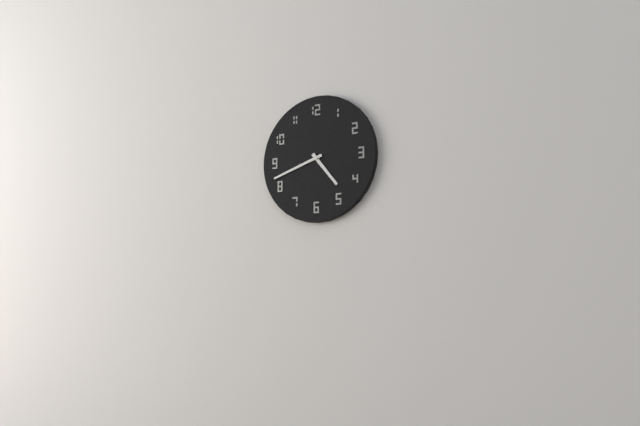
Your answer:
**4:42**
